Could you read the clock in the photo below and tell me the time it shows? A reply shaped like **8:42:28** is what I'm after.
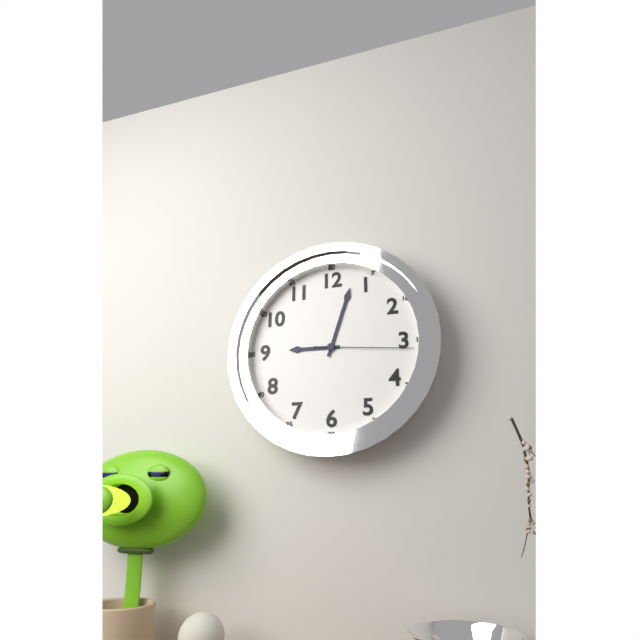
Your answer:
**9:03:16**
